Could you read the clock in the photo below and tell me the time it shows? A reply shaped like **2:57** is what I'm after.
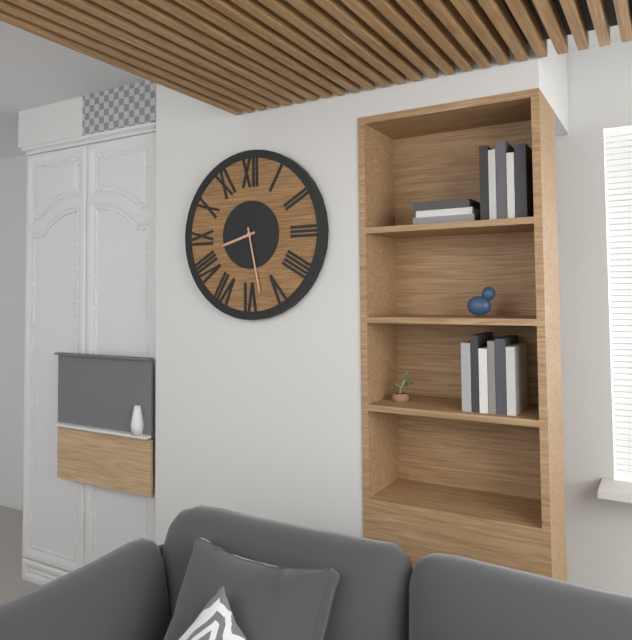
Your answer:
**8:28**
